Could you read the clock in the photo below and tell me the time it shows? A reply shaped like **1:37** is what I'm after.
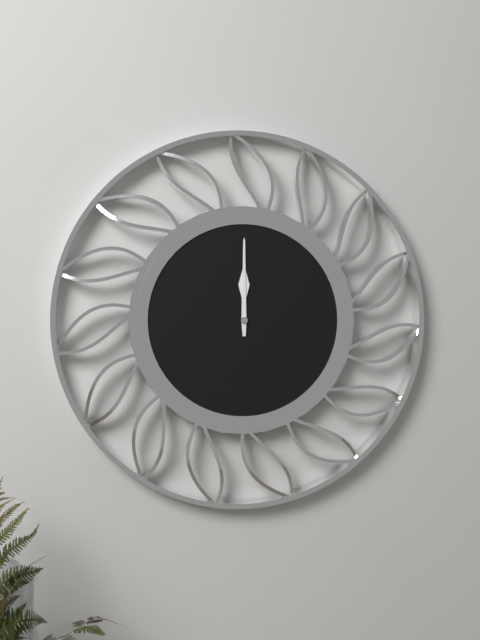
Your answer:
**12:00**
